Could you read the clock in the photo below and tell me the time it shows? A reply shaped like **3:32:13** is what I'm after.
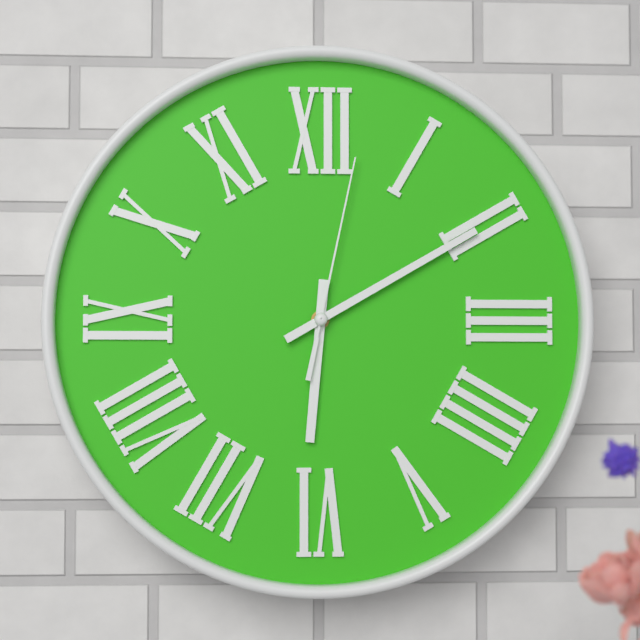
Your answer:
**6:10:02**
